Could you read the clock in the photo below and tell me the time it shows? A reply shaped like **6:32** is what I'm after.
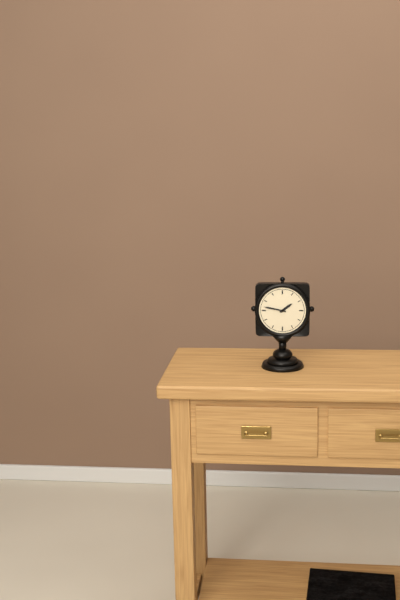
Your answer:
**1:47**
